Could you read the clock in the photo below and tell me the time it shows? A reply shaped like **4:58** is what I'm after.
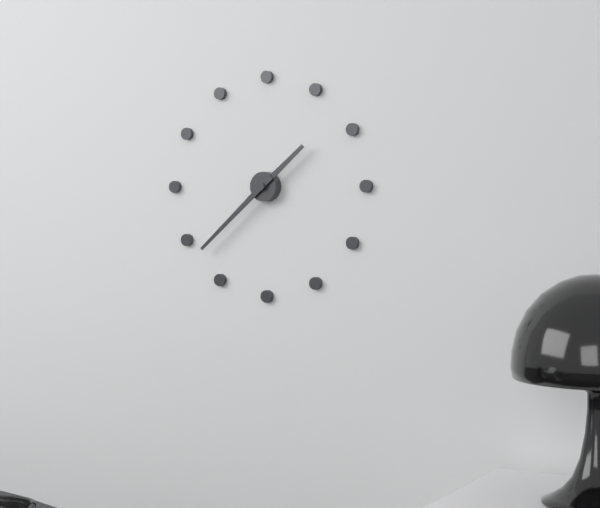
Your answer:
**1:38**
